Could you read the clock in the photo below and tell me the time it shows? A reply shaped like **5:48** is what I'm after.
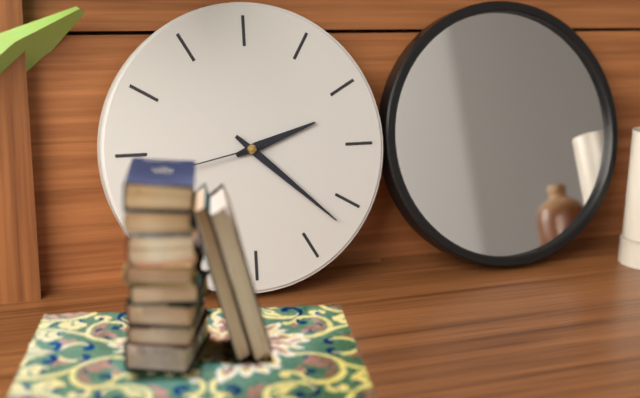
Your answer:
**2:22**
